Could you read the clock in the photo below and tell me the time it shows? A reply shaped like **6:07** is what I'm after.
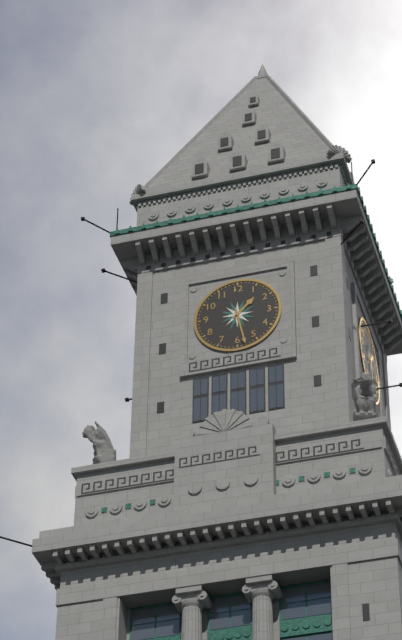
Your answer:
**1:28**
